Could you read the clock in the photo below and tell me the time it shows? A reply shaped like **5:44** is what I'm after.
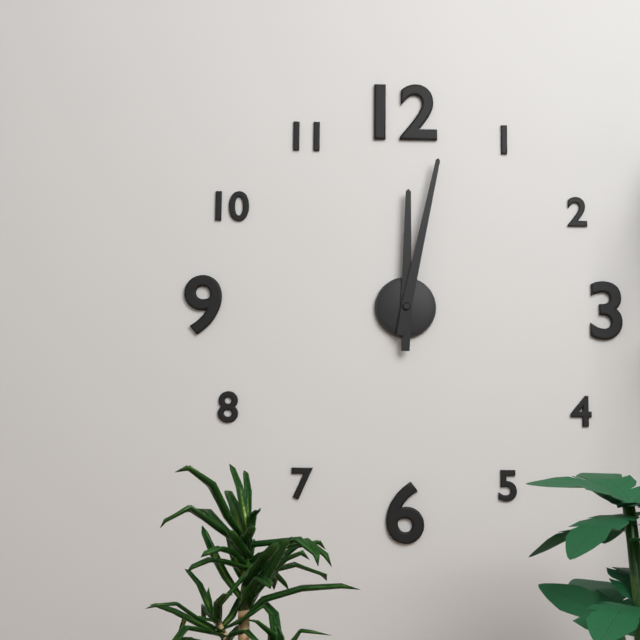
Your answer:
**12:02**
